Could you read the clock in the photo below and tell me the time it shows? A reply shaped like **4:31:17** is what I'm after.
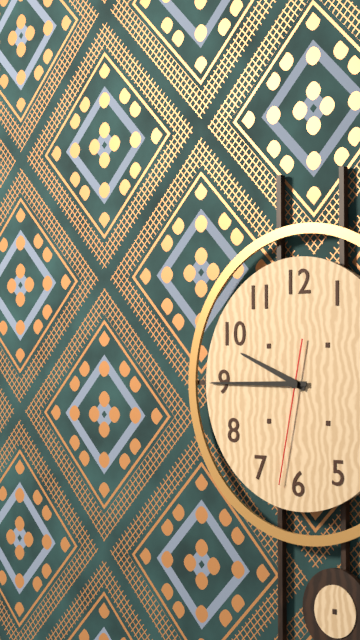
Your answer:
**9:45:32**
